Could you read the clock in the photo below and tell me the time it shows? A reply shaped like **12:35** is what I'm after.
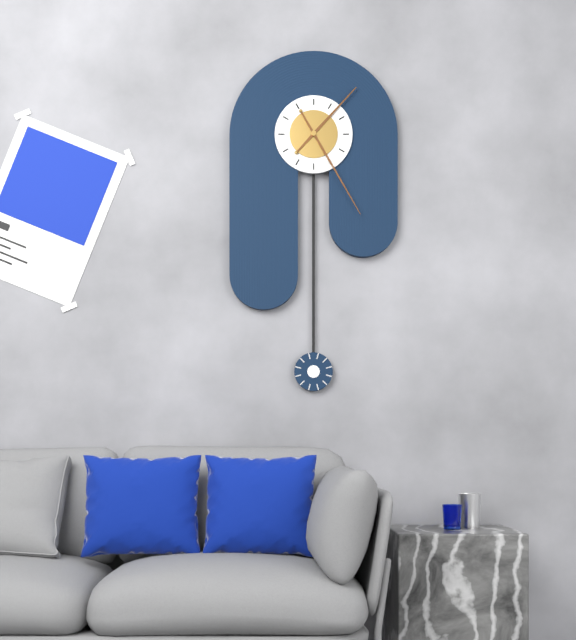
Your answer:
**1:25**
